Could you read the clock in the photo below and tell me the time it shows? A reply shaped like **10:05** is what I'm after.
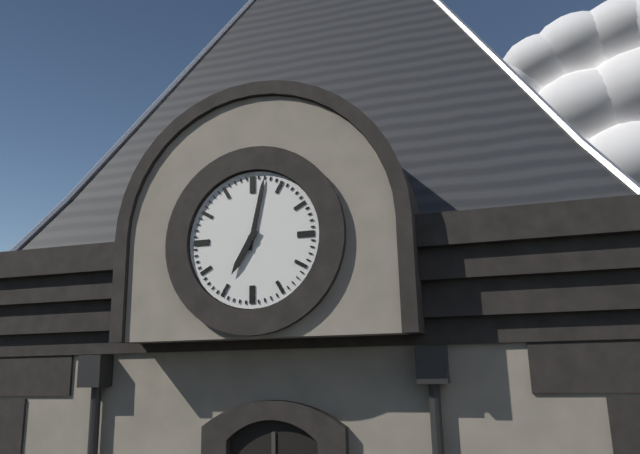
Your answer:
**7:02**
